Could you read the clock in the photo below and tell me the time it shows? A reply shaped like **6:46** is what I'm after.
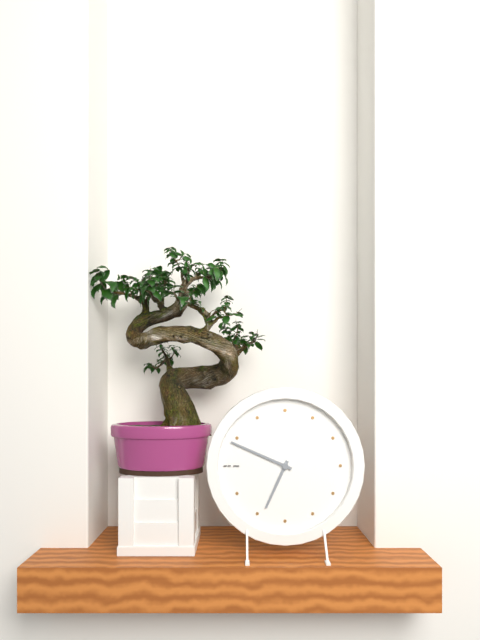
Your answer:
**6:49**
